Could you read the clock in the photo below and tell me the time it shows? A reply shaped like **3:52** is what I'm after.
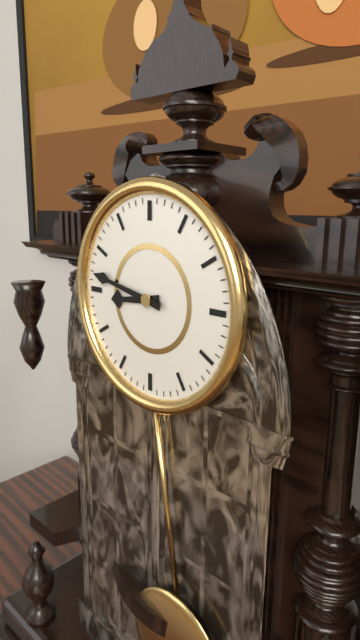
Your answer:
**8:47**
